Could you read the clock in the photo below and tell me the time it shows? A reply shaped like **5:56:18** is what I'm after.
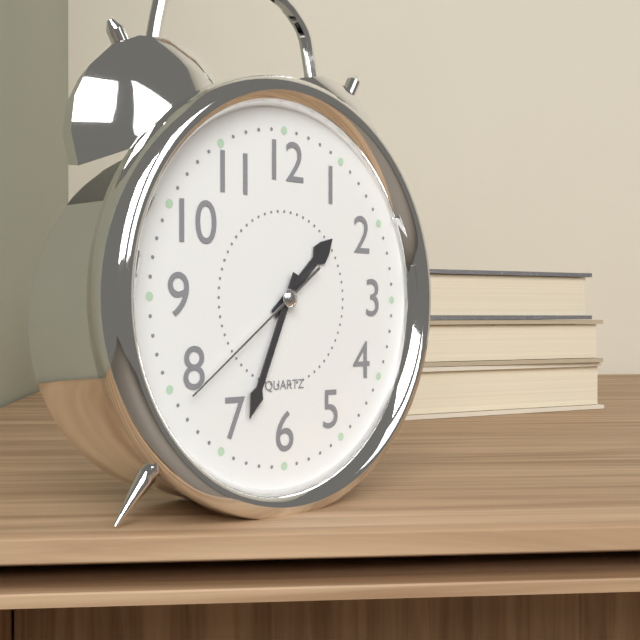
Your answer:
**1:34:39**
